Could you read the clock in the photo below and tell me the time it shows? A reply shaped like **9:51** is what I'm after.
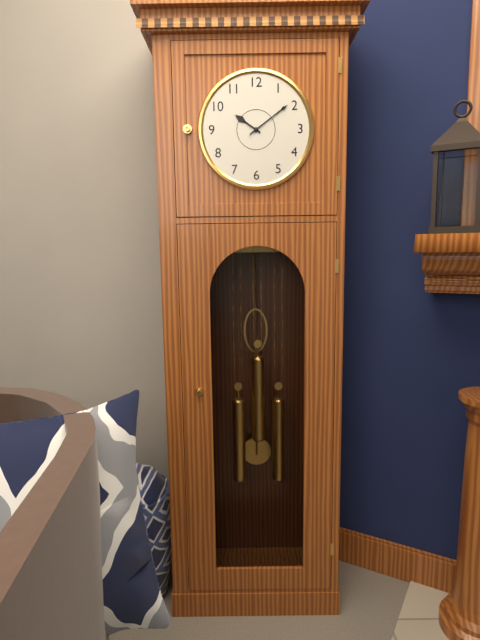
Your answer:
**10:09**
